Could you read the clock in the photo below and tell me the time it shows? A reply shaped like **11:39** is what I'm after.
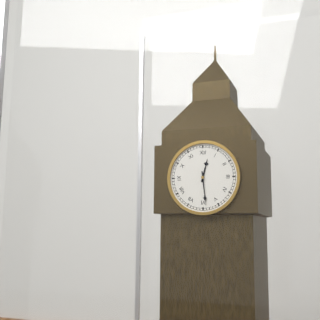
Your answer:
**12:29**
